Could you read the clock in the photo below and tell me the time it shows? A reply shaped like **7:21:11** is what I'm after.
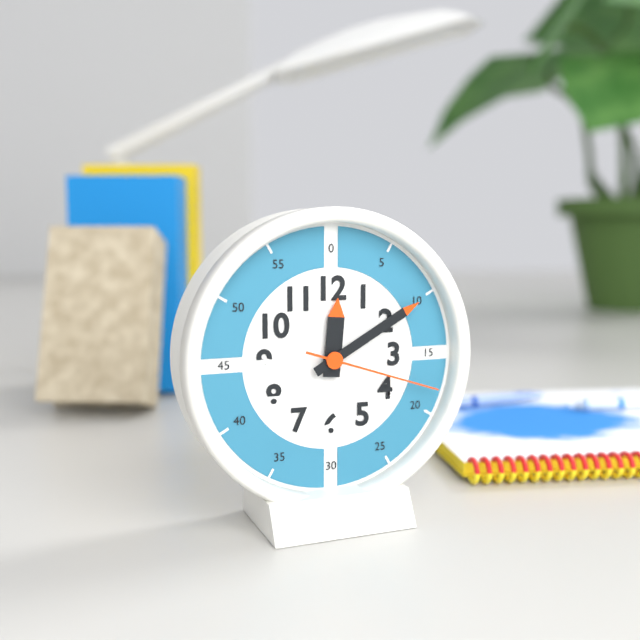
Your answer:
**12:10:18**
